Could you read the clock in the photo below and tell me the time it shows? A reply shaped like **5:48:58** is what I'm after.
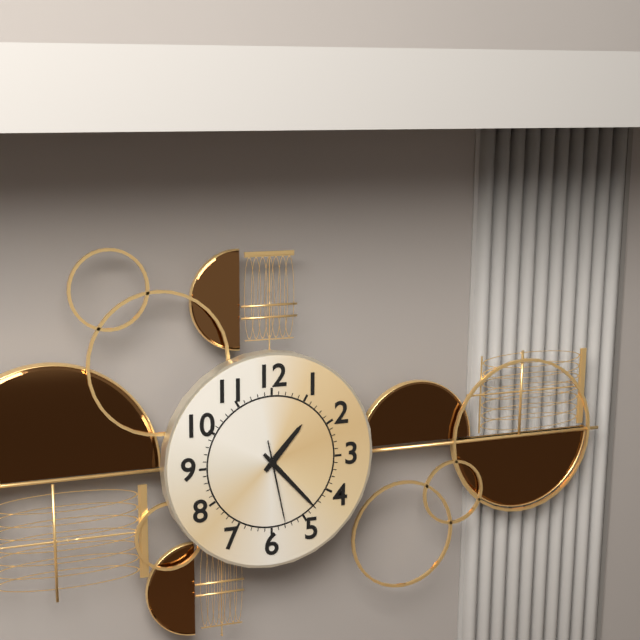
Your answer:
**1:23:28**
